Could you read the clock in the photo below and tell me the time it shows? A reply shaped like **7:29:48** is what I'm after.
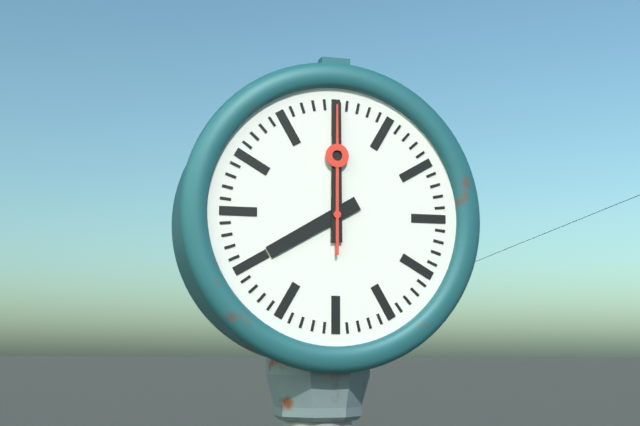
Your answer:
**8:00:00**
